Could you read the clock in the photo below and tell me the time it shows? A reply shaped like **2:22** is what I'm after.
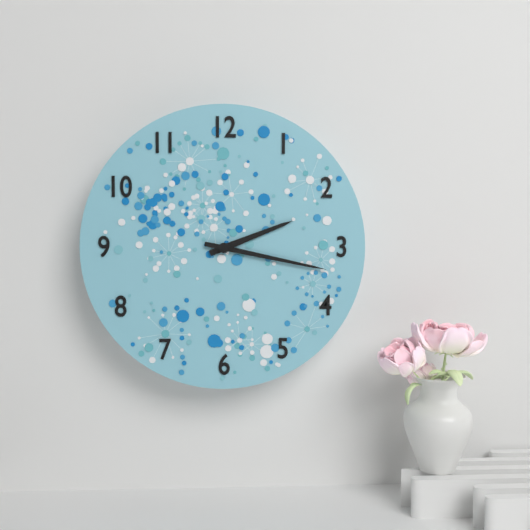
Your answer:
**2:17**
